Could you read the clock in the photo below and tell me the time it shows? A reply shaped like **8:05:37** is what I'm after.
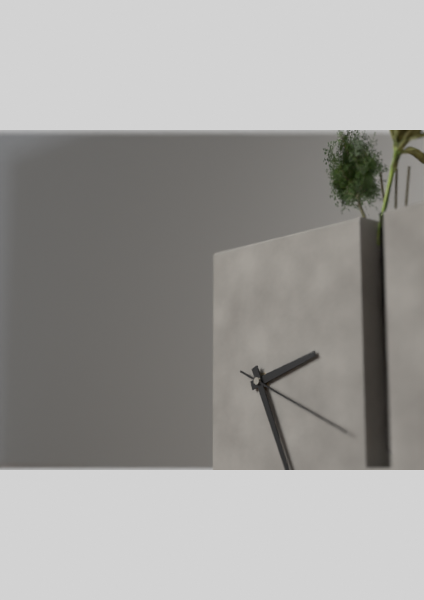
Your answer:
**2:26:19**
